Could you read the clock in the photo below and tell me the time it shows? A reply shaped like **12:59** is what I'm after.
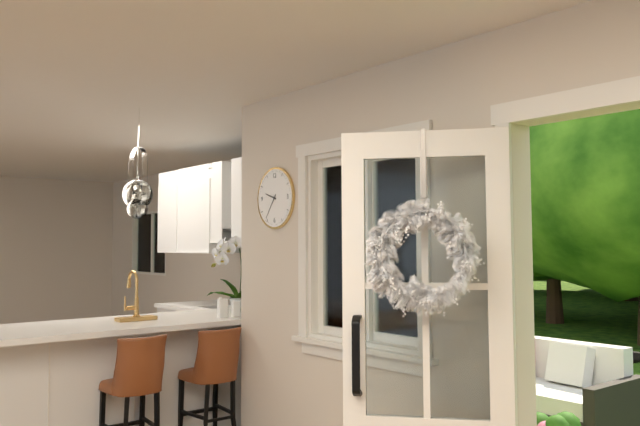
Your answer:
**9:36**
